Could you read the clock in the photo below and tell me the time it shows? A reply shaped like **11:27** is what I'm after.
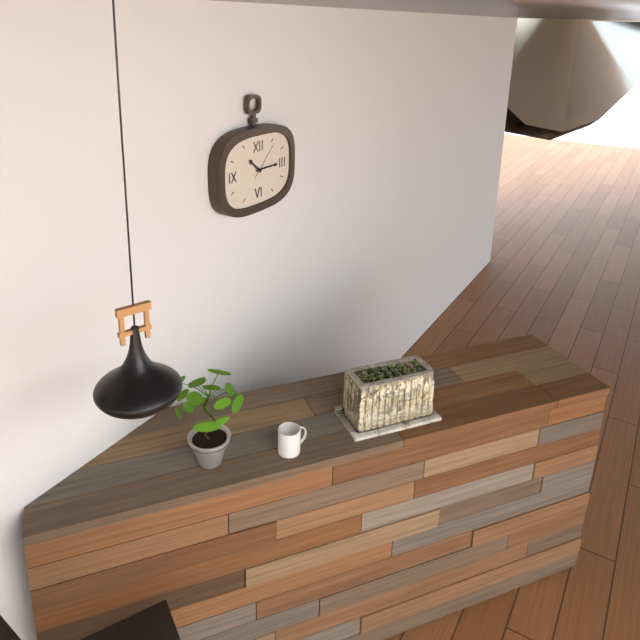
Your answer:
**10:15**
